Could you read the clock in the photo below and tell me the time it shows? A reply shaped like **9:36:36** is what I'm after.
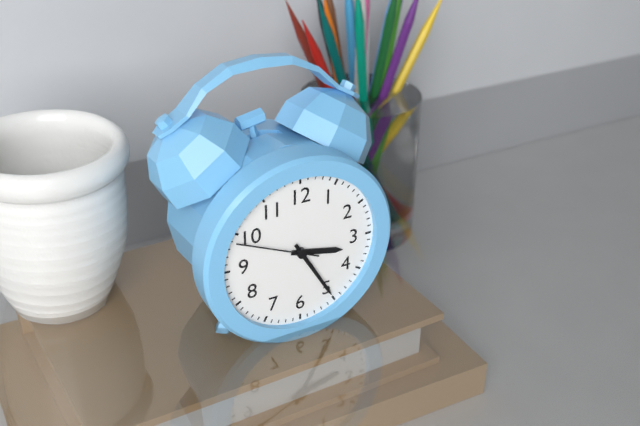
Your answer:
**3:25:49**
